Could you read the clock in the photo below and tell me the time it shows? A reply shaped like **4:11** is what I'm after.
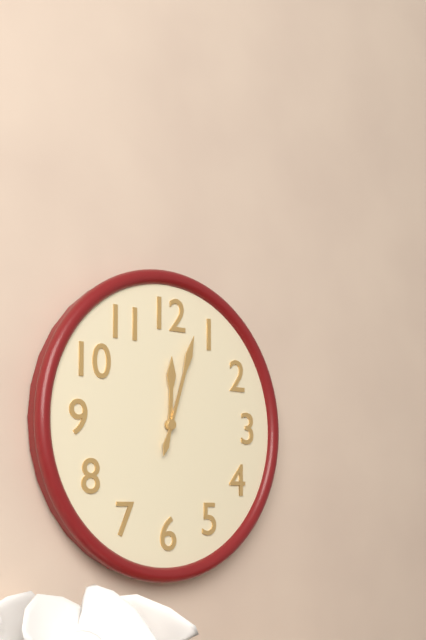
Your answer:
**12:03**
